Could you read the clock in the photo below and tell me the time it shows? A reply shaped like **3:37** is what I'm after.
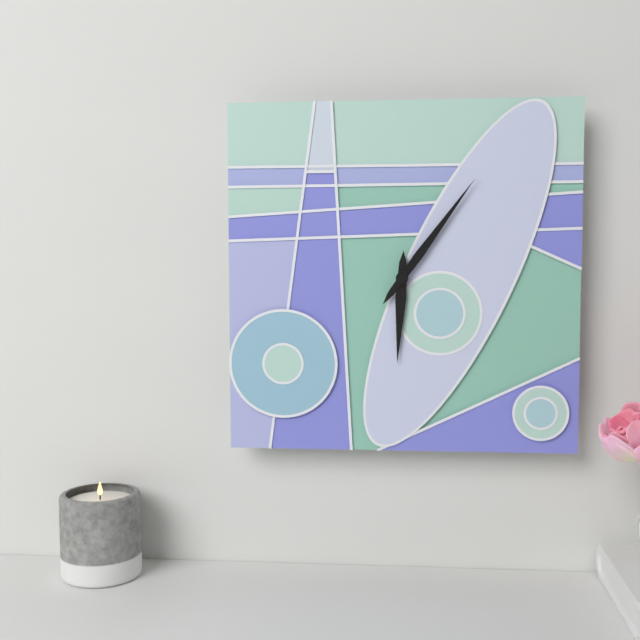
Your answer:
**6:06**
